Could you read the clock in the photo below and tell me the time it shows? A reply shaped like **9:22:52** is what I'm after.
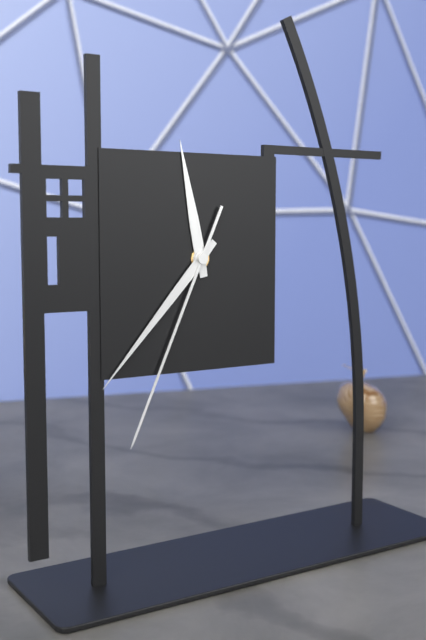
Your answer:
**11:37:34**
